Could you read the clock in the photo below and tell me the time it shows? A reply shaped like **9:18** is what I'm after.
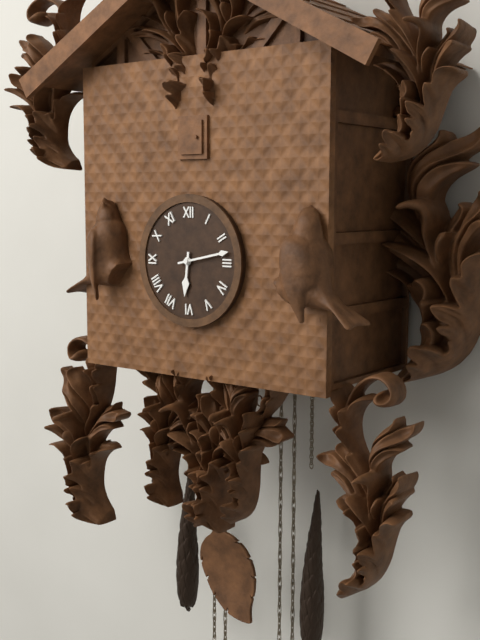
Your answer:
**6:13**
